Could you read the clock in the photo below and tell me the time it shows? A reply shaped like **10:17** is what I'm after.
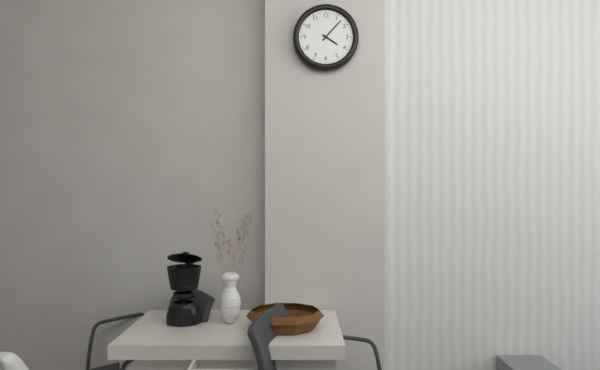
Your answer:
**4:07**
